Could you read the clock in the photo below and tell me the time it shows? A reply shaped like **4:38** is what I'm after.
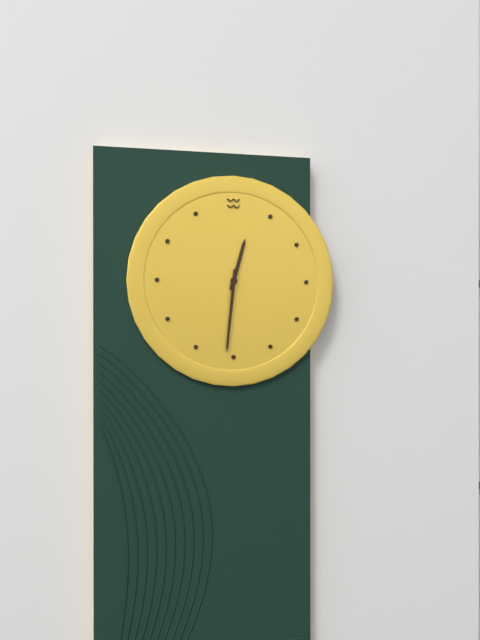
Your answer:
**12:31**
